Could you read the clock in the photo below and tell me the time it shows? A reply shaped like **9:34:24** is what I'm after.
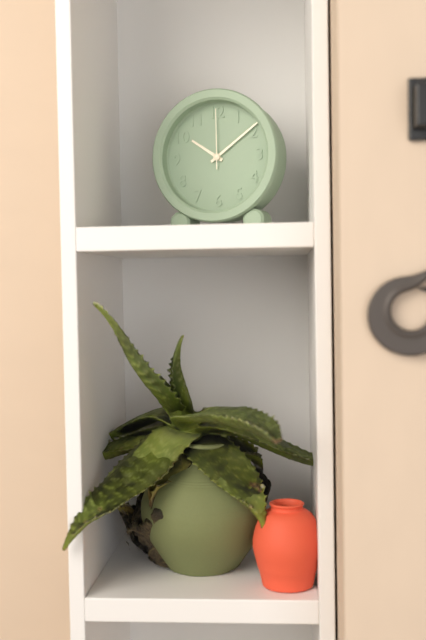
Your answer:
**10:09:00**
